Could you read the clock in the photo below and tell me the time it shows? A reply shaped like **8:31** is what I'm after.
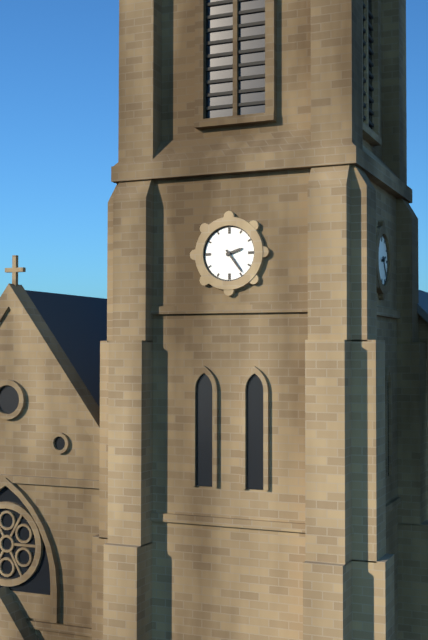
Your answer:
**2:24**
